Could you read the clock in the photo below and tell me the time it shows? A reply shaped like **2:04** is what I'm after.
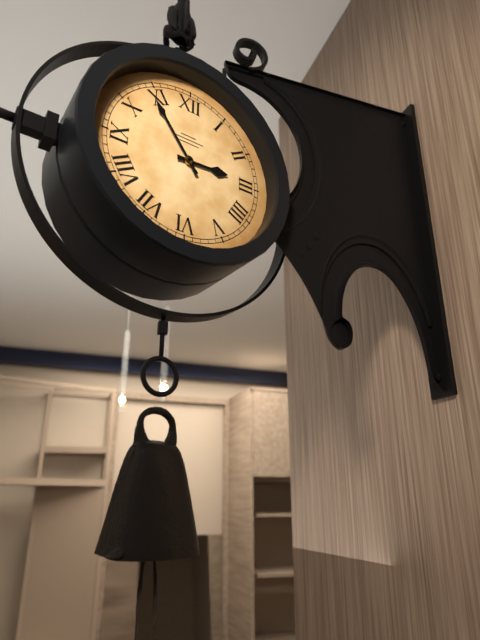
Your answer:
**2:54**
